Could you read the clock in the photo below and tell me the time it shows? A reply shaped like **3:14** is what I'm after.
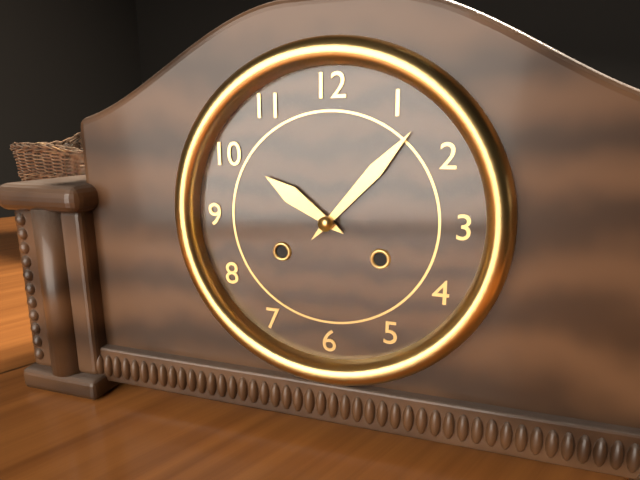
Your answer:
**10:07**
